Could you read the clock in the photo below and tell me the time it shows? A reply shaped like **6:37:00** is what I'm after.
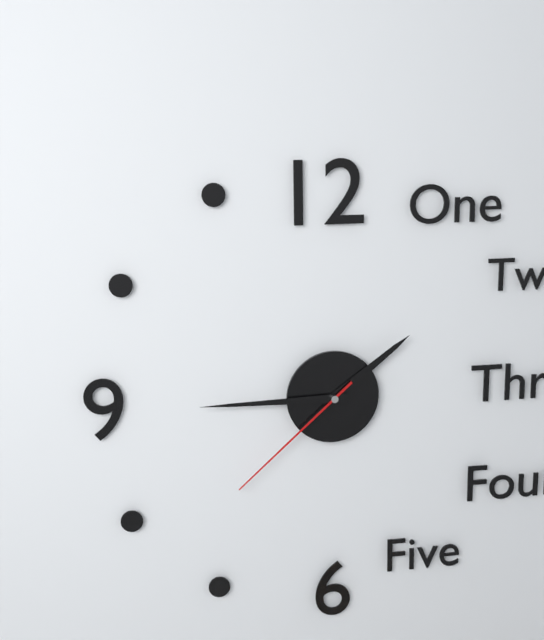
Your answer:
**1:45:38**
